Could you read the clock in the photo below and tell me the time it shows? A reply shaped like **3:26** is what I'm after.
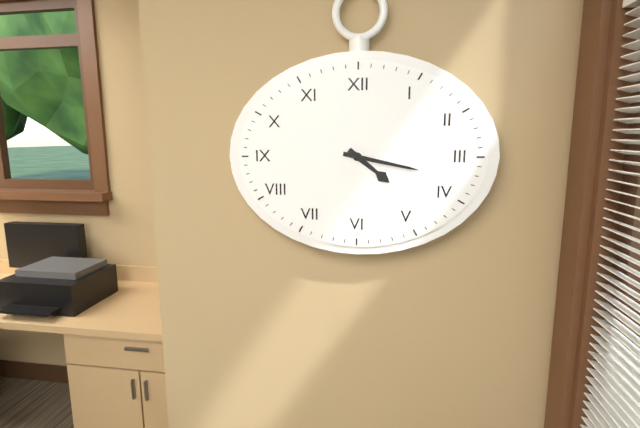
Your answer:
**4:17**
